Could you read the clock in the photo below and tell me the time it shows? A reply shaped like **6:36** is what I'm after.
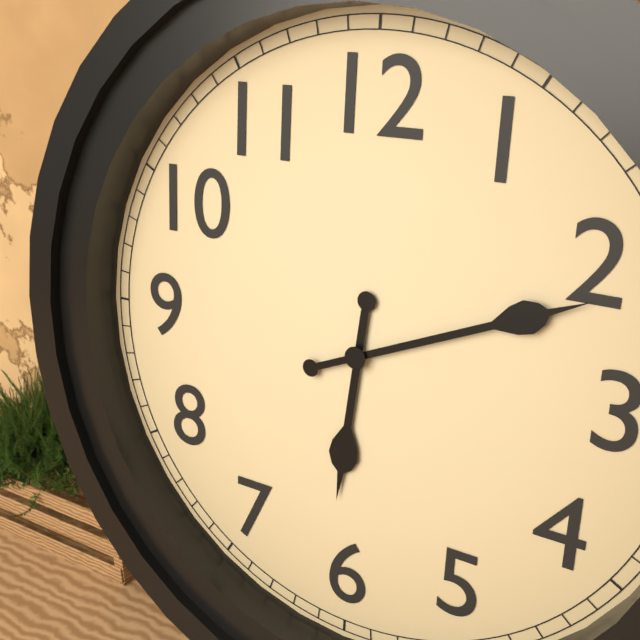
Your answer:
**6:11**
